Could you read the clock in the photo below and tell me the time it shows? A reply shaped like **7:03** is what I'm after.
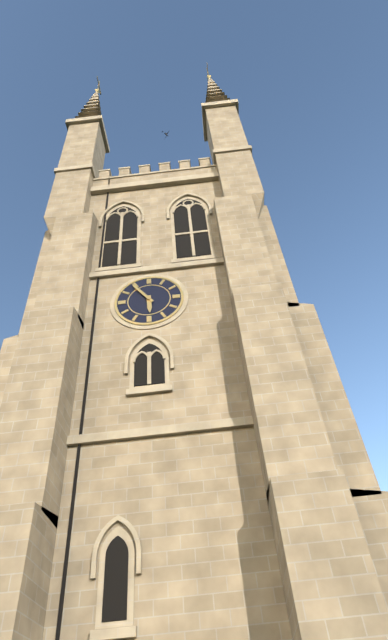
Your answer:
**5:54**
